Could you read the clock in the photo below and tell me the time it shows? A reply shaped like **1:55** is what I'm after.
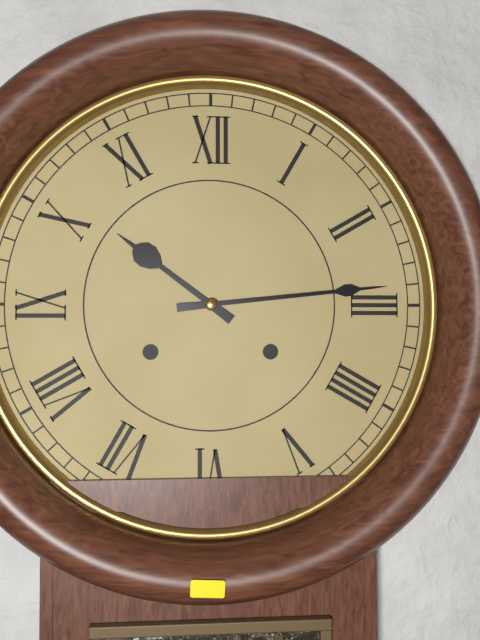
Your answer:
**10:14**
